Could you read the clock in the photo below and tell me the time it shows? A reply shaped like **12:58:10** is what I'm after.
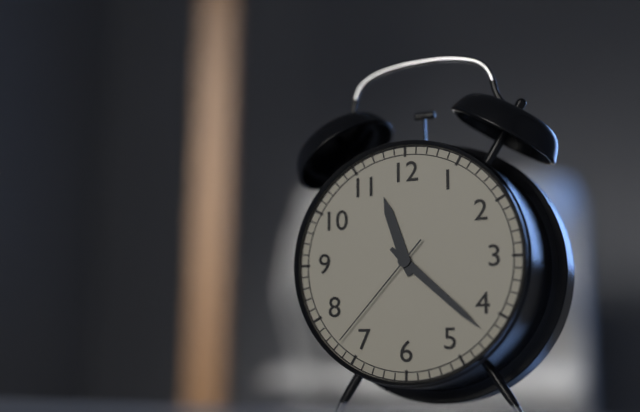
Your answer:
**11:22:37**
